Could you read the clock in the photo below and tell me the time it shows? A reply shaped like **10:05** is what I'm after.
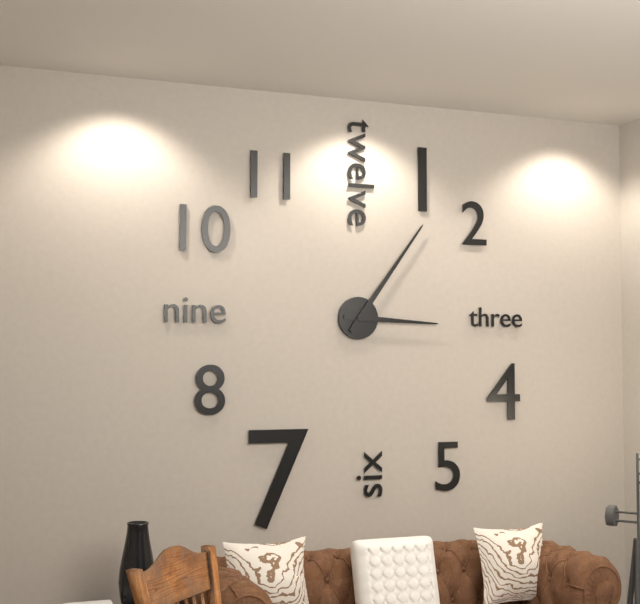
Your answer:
**3:06**
